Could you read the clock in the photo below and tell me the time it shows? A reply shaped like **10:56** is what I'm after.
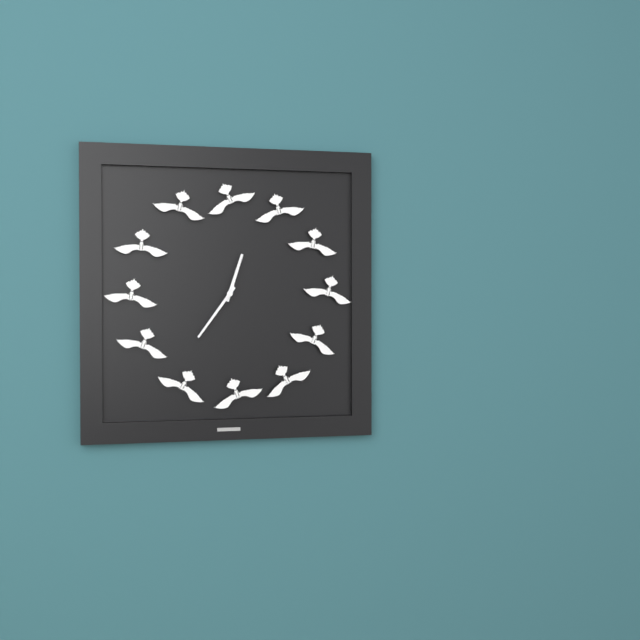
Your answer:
**12:36**
